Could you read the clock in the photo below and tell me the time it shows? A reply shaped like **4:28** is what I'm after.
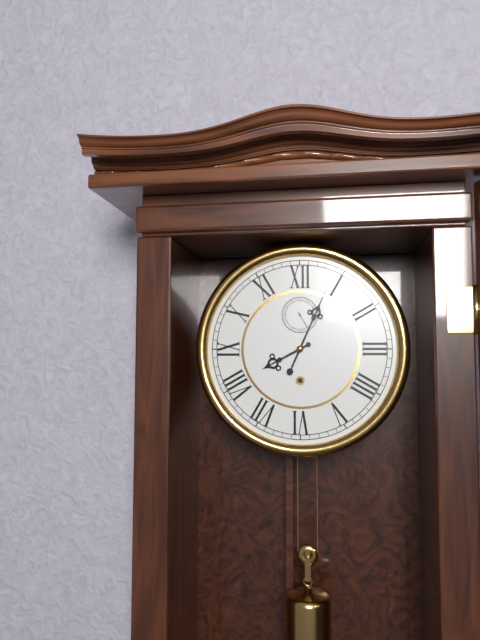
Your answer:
**8:04**
